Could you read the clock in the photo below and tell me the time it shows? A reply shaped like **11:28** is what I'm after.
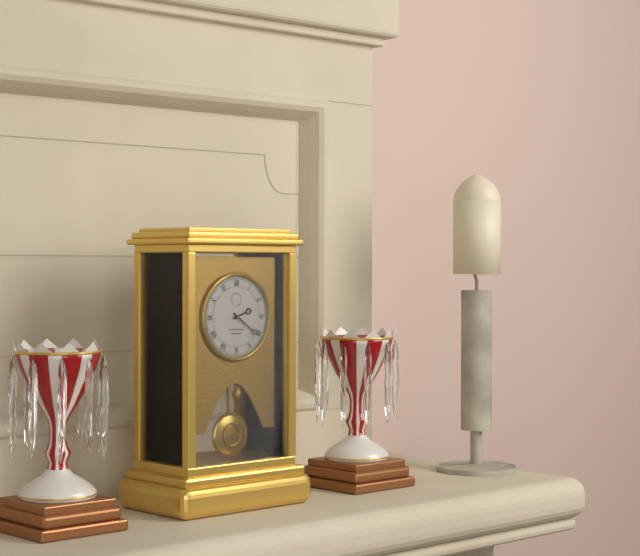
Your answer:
**2:21**
